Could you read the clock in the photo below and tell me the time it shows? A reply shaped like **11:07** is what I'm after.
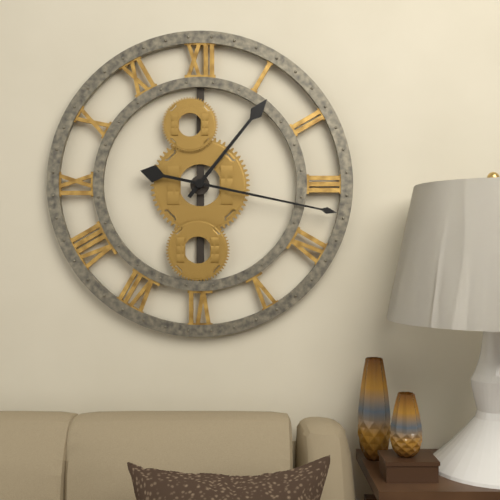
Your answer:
**1:17**
